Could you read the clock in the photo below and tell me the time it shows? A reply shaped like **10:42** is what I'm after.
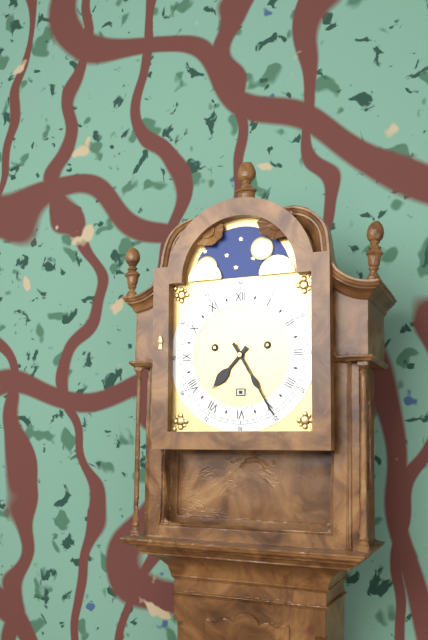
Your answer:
**7:25**
